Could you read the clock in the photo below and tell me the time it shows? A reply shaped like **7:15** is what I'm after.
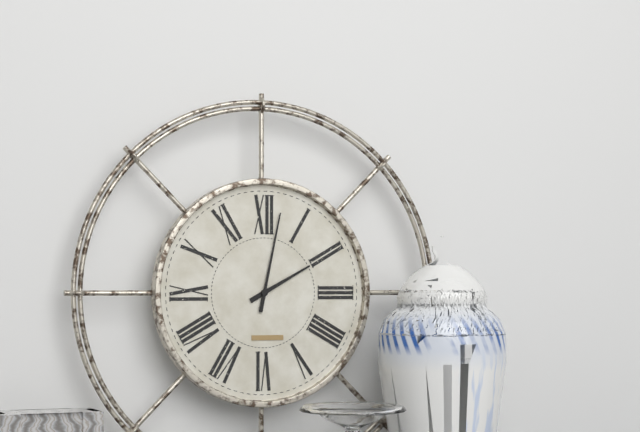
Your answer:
**2:02**
